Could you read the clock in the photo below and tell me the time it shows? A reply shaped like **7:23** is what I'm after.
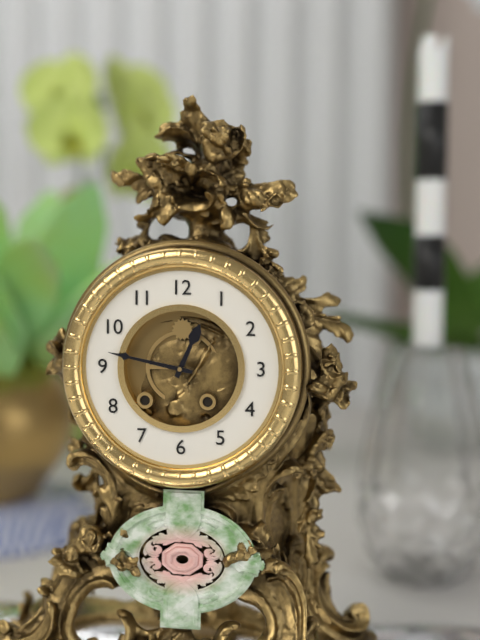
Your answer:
**12:47**
